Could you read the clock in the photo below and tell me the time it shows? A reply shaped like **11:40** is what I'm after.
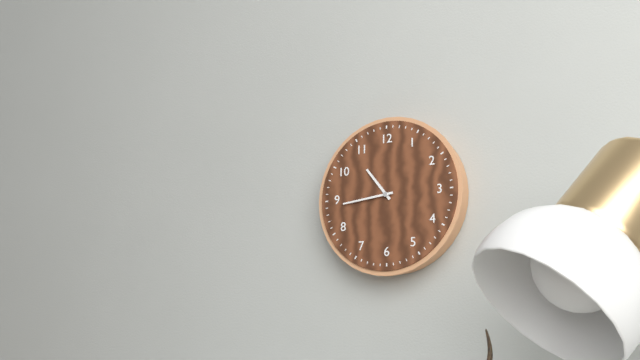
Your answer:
**10:44**
